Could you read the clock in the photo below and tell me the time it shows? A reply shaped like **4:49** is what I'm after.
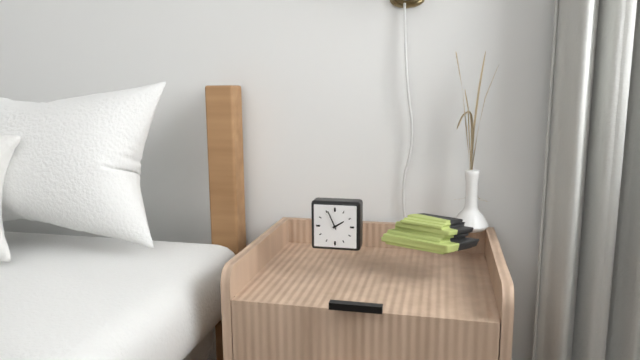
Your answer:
**1:56**
